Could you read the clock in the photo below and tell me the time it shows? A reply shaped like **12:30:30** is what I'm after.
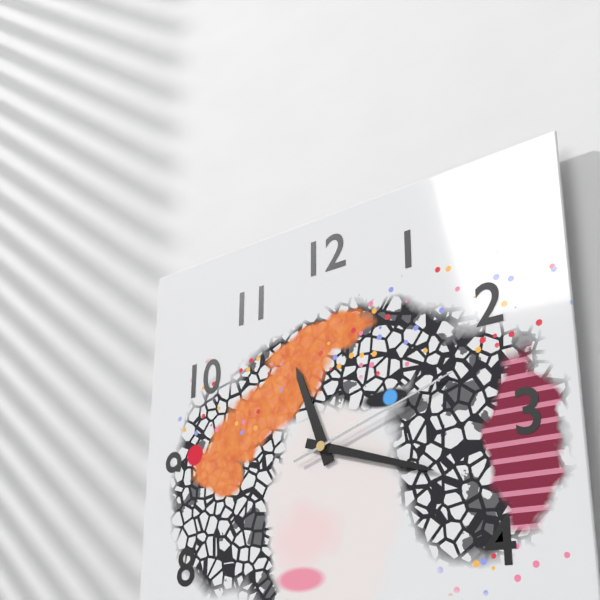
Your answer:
**11:18:12**
